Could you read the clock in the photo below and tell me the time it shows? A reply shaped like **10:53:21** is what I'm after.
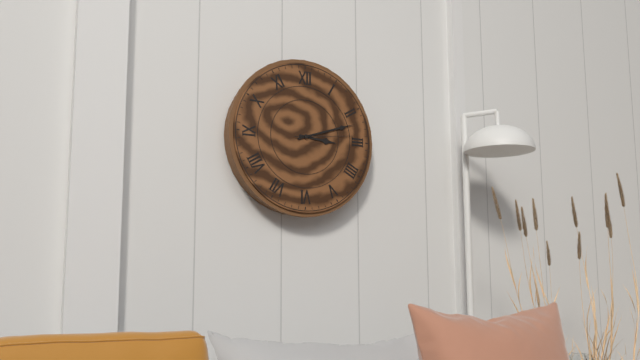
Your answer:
**3:12:14**
